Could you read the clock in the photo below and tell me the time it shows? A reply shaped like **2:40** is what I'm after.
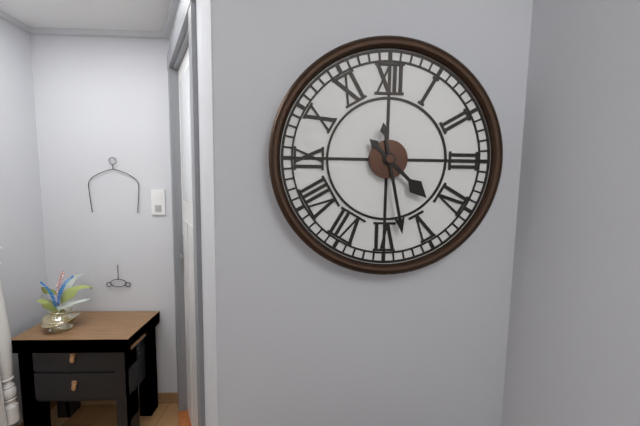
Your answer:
**4:28**
